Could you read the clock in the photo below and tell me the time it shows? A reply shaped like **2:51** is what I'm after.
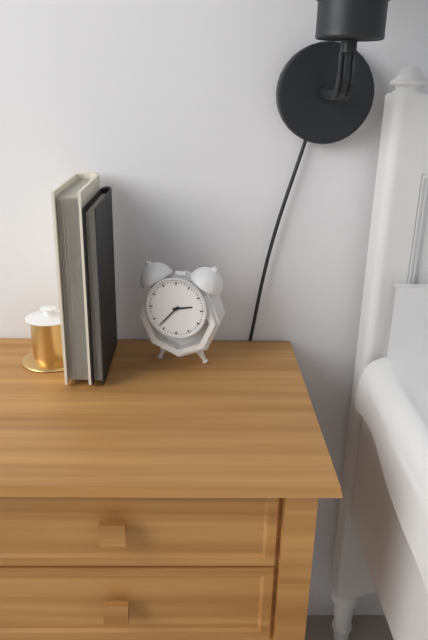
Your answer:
**2:37**
